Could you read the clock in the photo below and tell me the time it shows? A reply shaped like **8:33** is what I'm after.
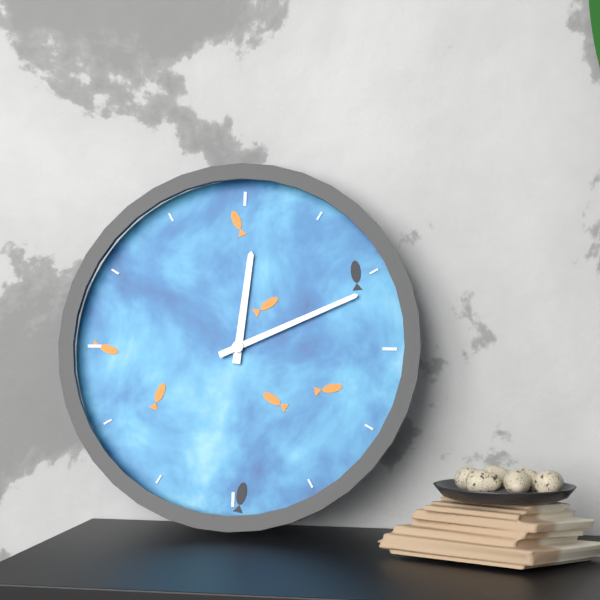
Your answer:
**12:11**
